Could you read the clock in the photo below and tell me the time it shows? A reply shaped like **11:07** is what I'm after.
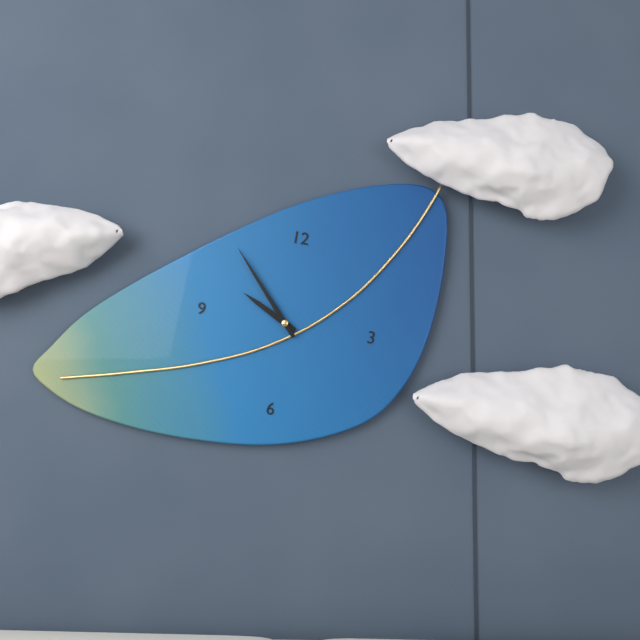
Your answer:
**9:53**
